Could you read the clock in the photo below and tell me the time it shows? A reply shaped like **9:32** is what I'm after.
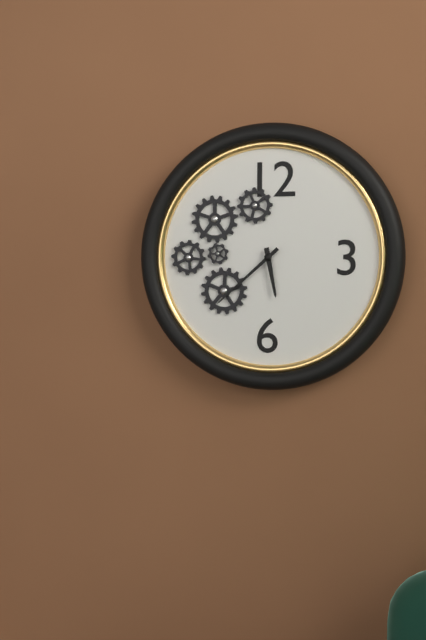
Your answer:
**5:38**
